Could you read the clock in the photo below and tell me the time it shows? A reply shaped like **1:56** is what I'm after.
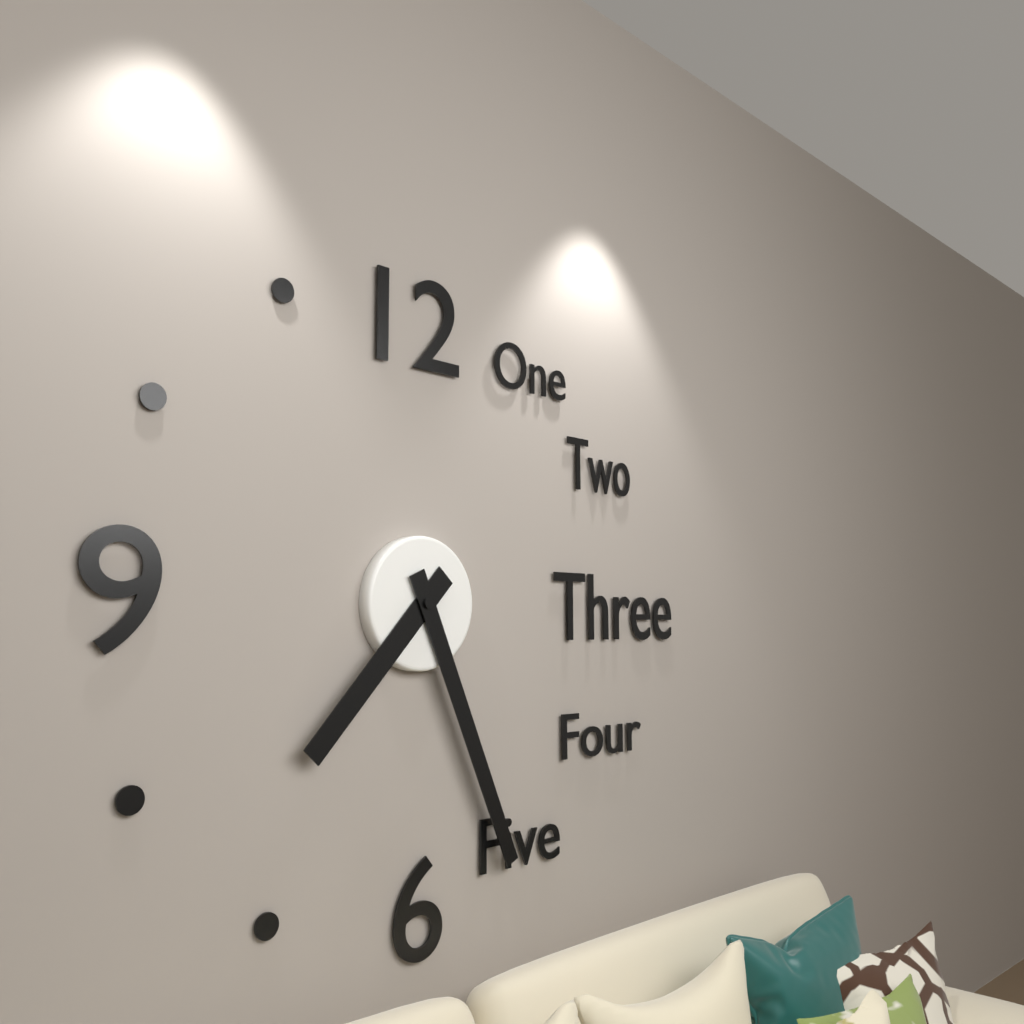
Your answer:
**7:26**
